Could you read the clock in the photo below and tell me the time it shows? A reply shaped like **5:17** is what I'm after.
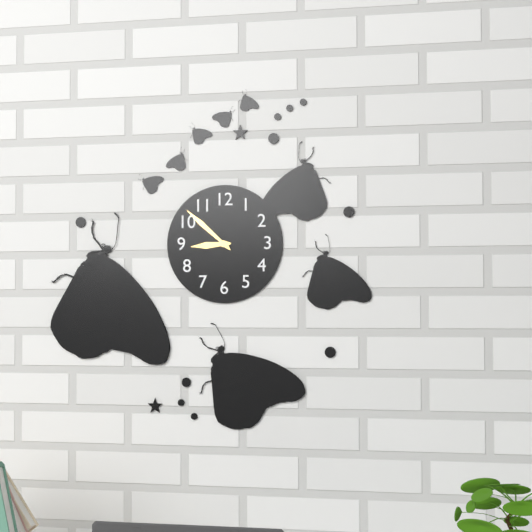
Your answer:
**8:52**
